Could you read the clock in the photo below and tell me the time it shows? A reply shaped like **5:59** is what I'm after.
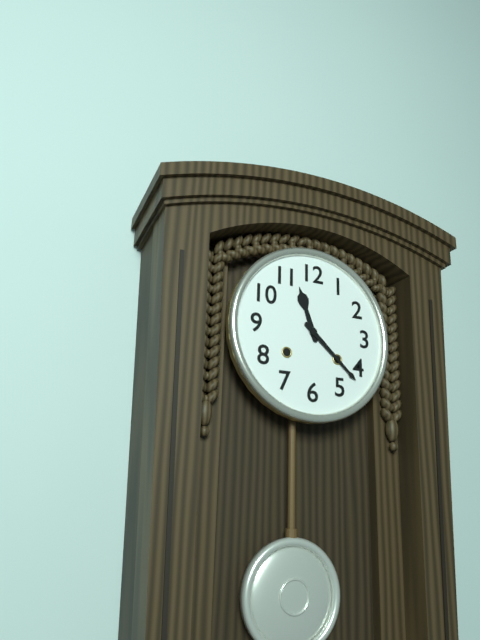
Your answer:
**11:22**
